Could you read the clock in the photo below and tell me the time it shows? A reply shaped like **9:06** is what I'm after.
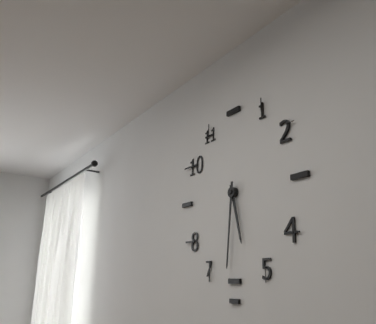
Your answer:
**5:31**
